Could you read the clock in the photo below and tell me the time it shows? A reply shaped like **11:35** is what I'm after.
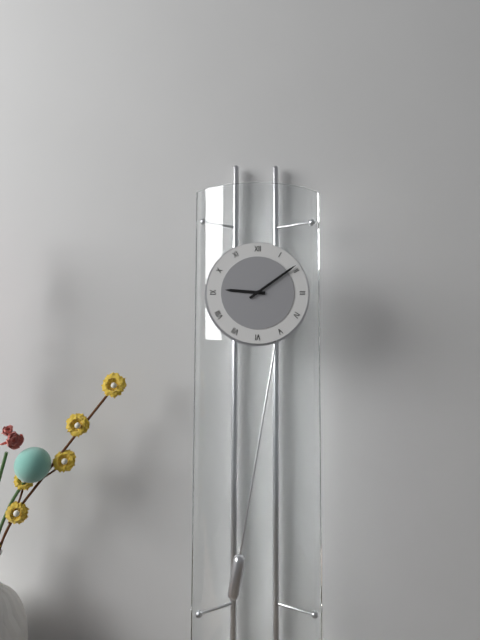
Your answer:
**9:09**
